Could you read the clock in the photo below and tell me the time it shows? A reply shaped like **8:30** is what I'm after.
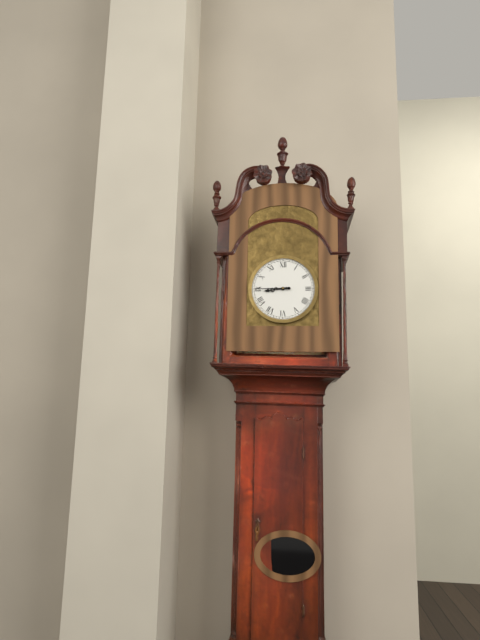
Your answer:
**8:45**
